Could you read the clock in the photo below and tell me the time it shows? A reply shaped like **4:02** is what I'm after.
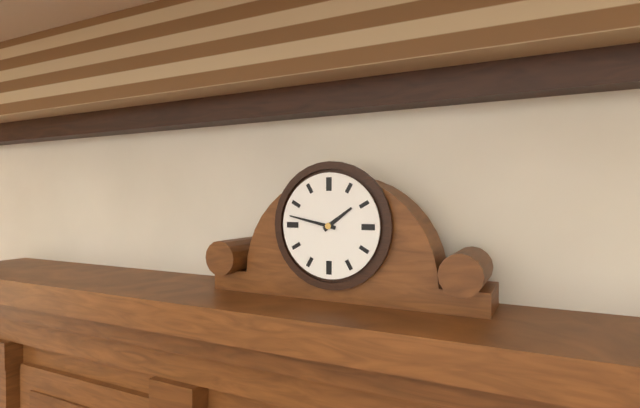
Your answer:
**1:47**
